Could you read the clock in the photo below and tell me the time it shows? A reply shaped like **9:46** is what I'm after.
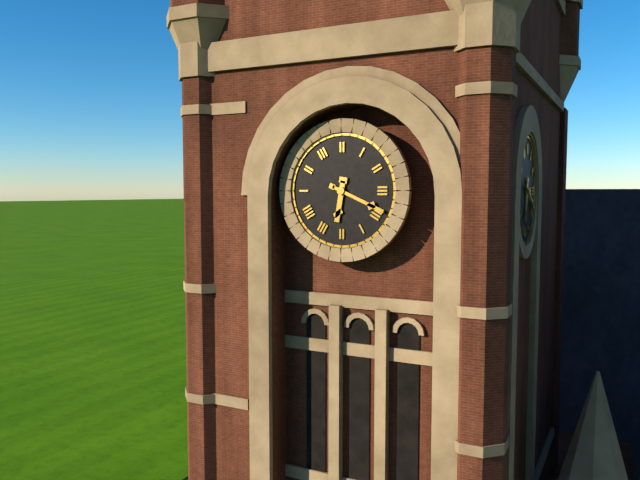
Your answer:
**6:19**
